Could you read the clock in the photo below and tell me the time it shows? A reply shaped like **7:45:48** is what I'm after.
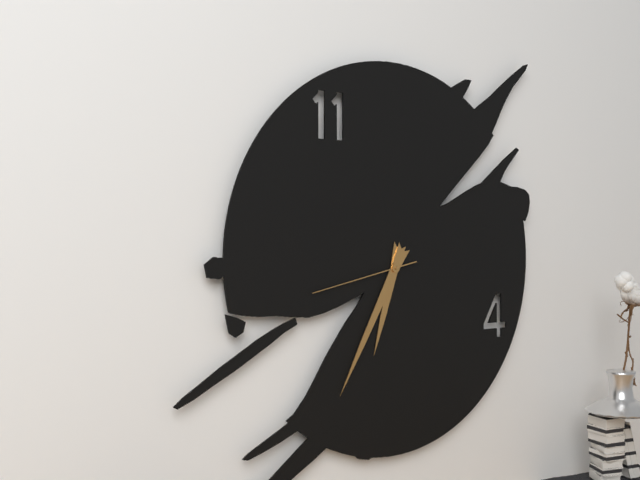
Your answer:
**6:35:43**
